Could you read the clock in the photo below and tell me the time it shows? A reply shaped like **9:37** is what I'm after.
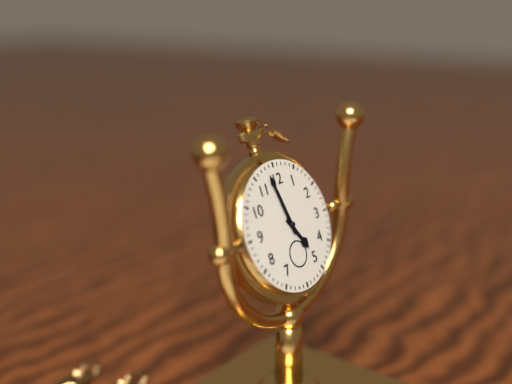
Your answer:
**4:58**
